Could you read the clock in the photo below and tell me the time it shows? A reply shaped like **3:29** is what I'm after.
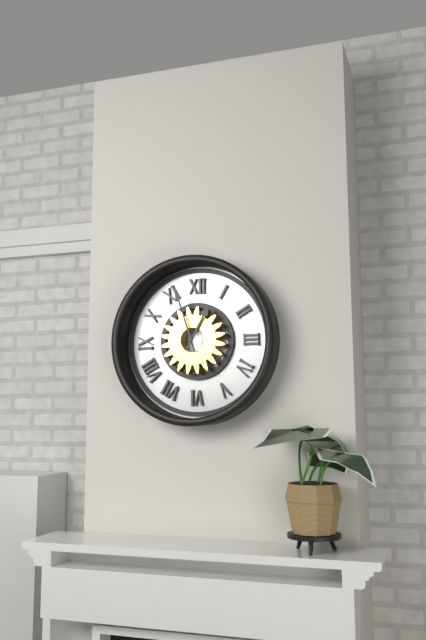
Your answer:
**12:57**
